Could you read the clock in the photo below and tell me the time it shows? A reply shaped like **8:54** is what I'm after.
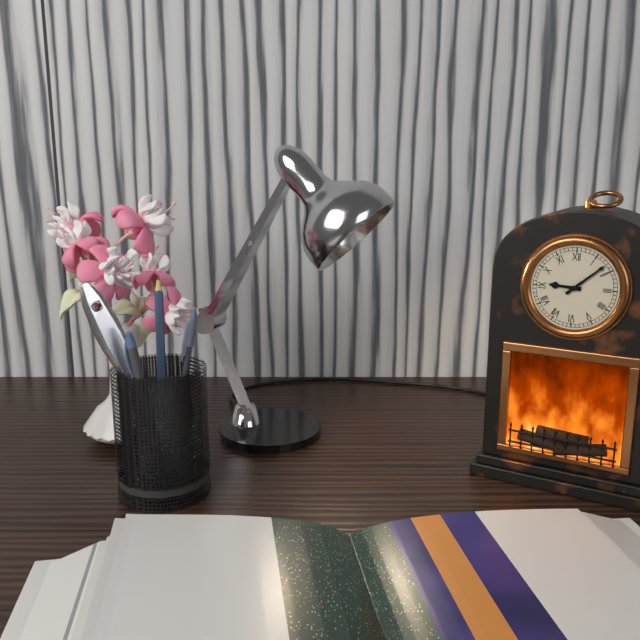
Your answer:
**9:08**
